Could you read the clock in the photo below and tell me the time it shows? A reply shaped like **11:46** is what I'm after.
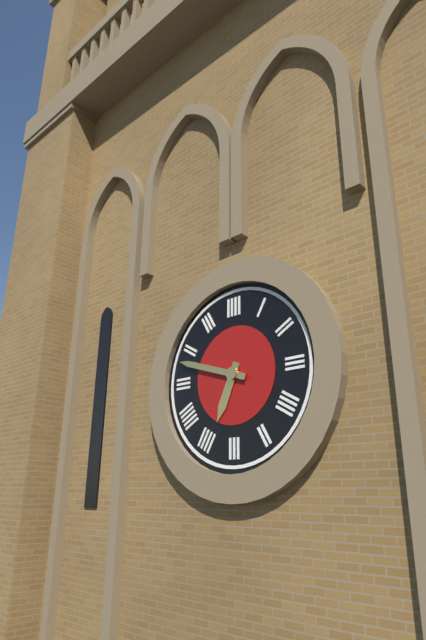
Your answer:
**6:48**
